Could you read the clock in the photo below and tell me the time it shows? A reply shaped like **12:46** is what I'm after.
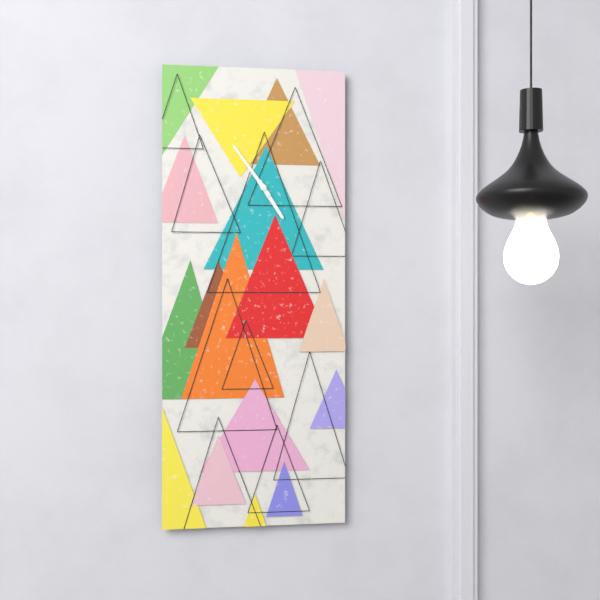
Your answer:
**4:54**
